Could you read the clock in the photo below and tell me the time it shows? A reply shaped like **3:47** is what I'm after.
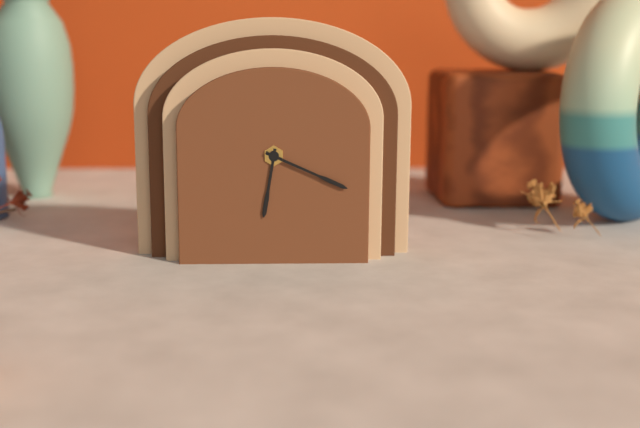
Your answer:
**6:19**
